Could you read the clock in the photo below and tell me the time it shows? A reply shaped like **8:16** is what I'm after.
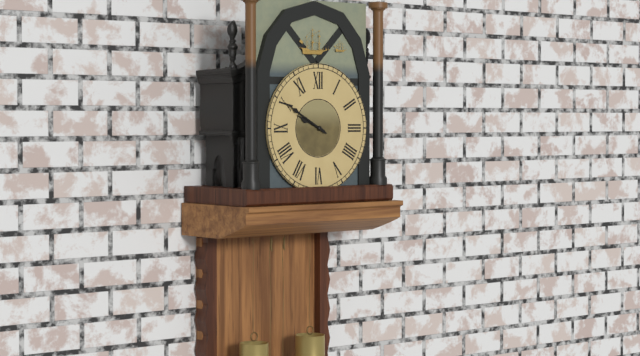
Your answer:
**9:50**
